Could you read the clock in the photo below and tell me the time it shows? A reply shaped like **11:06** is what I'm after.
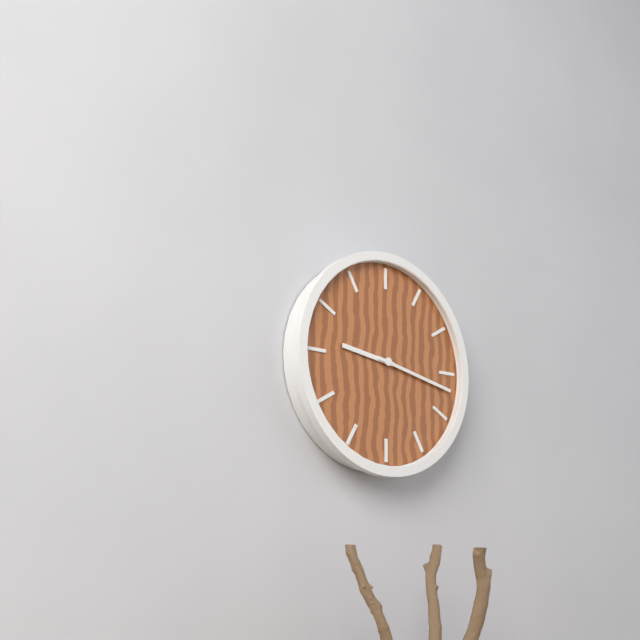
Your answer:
**9:17**
